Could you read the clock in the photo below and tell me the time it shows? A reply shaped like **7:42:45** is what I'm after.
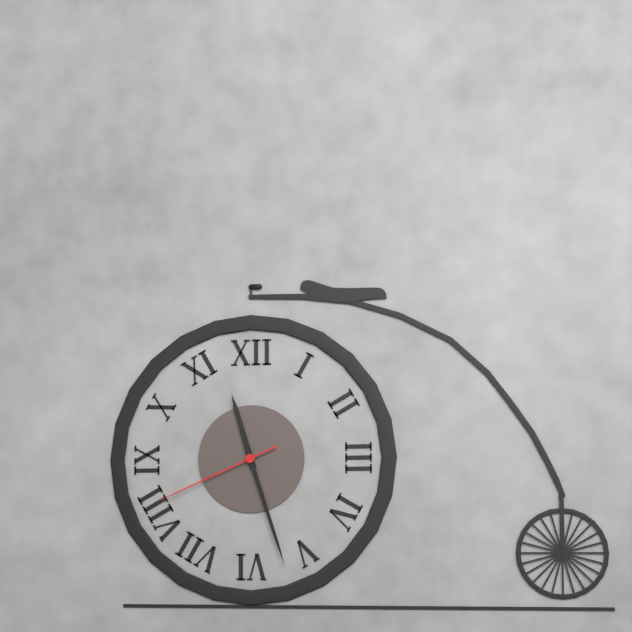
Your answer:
**11:27:41**
